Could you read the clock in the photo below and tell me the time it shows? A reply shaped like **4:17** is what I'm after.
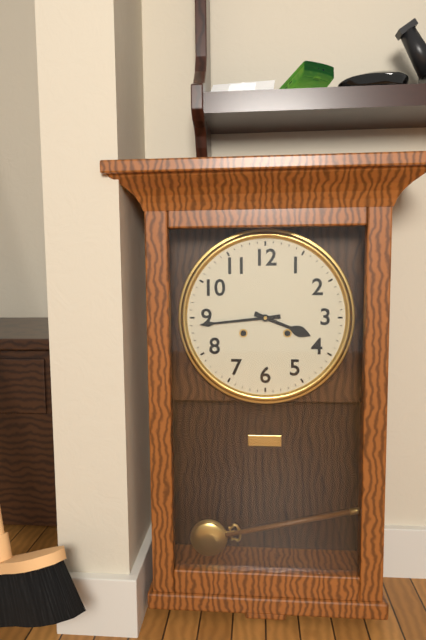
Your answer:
**3:44**
